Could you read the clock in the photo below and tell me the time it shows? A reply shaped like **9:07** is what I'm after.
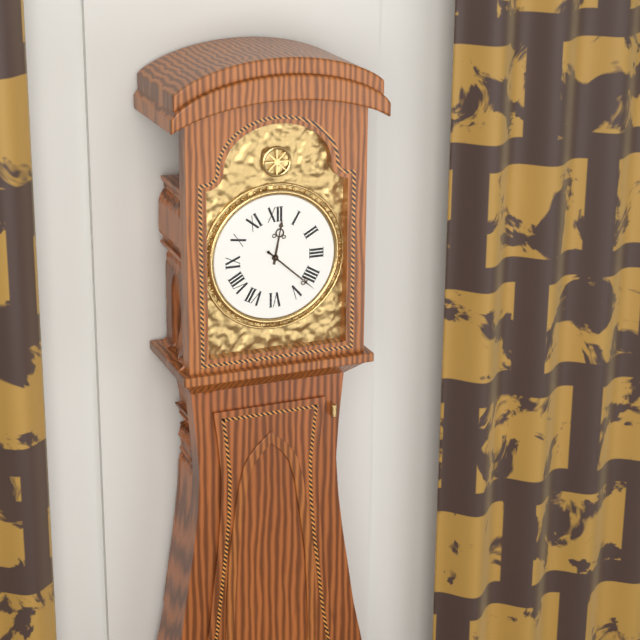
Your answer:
**12:22**
